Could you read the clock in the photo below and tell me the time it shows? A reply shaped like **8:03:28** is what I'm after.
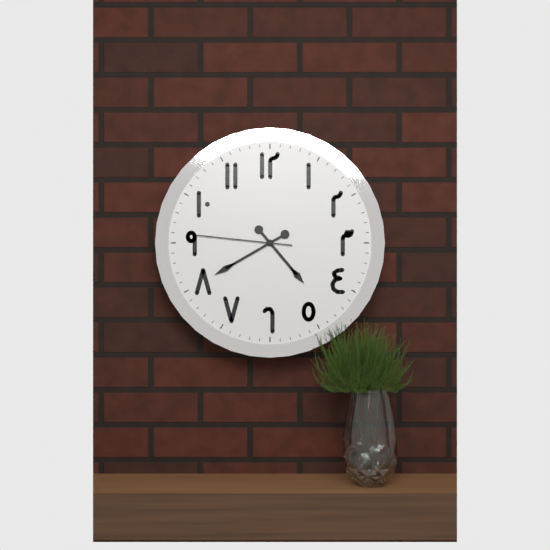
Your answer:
**4:40:46**
